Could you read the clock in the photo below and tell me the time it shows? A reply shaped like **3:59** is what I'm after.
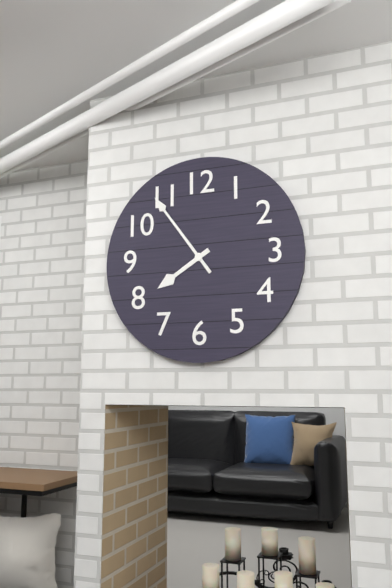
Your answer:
**7:54**
